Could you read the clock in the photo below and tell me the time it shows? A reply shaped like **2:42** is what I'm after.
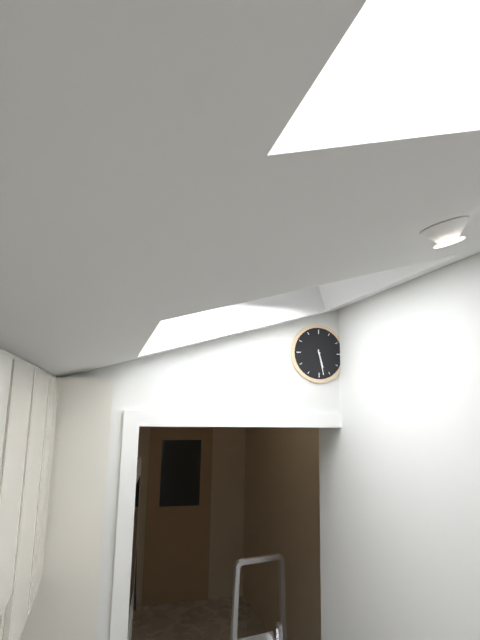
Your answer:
**5:28**
